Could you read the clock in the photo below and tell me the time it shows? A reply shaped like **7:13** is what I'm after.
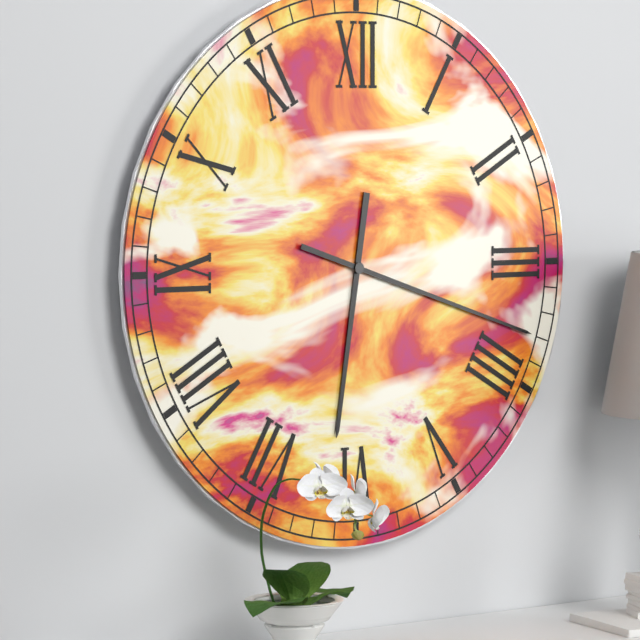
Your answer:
**6:18**
